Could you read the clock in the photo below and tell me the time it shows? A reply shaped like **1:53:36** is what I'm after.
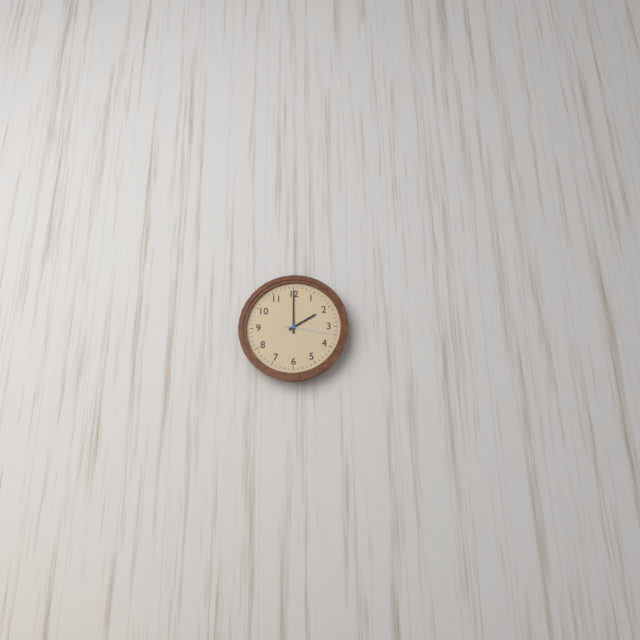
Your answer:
**2:00:17**
